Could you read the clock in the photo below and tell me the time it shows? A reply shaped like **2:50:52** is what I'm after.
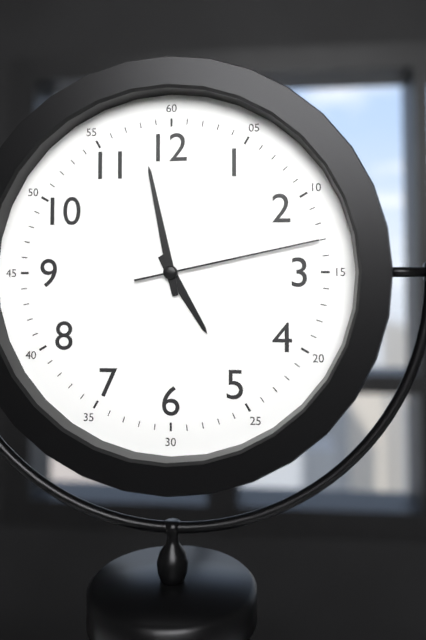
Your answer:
**4:58:13**
